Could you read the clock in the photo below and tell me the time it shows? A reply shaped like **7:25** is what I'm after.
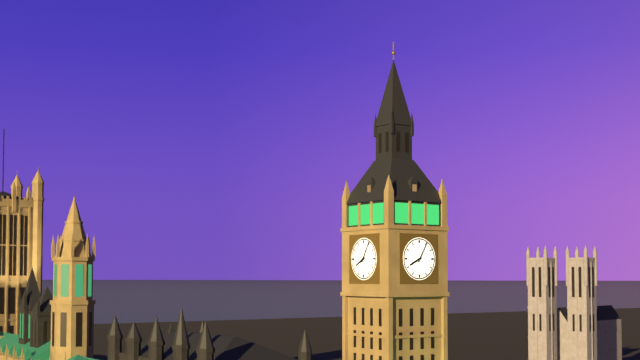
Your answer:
**8:05**
